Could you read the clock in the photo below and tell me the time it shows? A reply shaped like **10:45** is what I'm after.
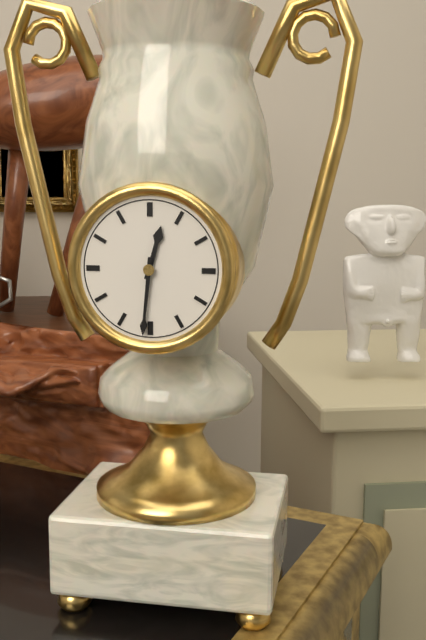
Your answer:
**12:31**
